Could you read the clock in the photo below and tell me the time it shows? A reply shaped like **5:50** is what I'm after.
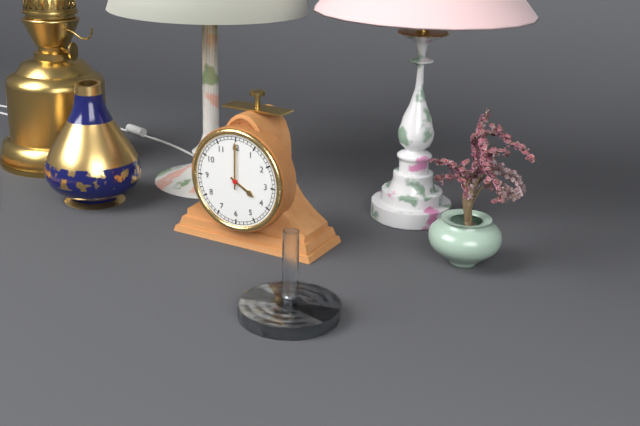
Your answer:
**4:00**
